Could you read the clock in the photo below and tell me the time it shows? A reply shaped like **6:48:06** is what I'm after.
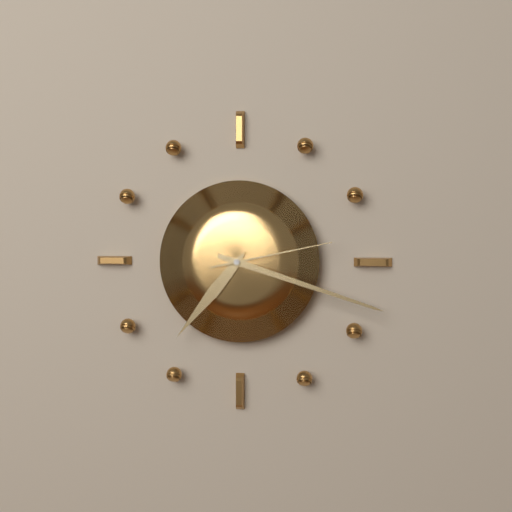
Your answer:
**7:18:13**
